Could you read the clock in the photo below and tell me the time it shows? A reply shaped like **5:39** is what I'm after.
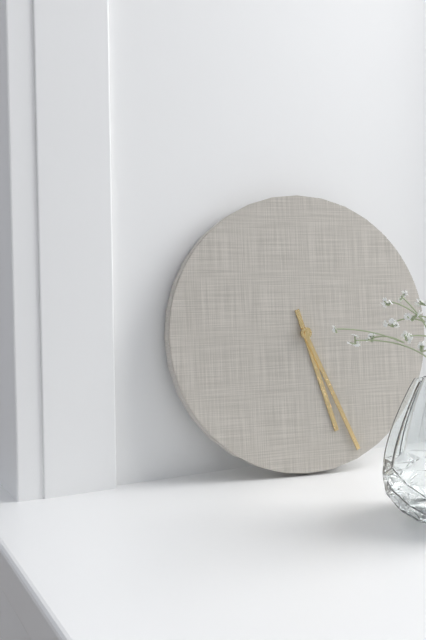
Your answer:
**5:26**
